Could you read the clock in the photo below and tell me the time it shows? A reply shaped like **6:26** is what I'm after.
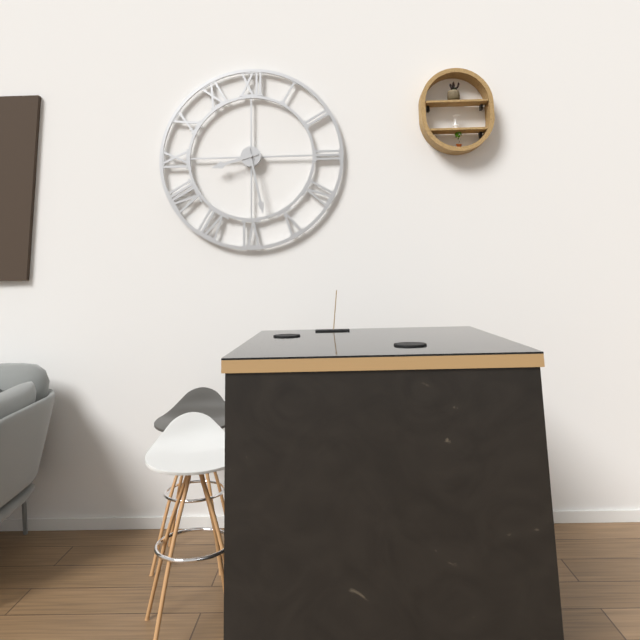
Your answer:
**8:28**
